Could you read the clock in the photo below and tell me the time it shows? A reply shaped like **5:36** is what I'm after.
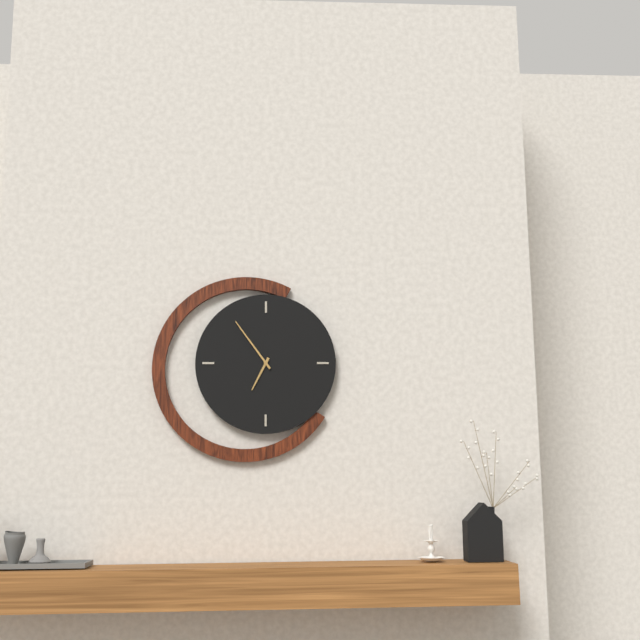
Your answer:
**6:54**
